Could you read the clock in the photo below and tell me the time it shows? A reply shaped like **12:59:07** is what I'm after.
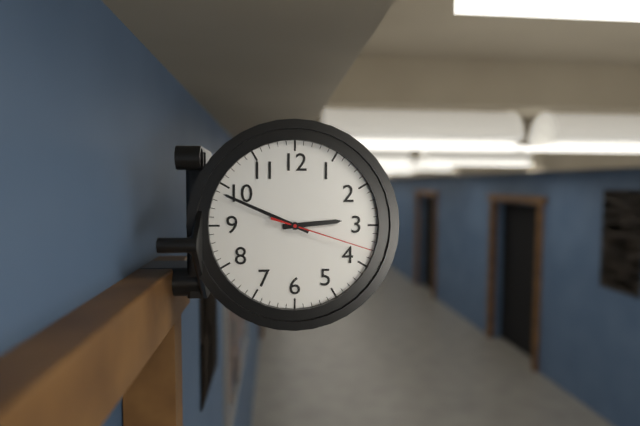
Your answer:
**2:49:18**
